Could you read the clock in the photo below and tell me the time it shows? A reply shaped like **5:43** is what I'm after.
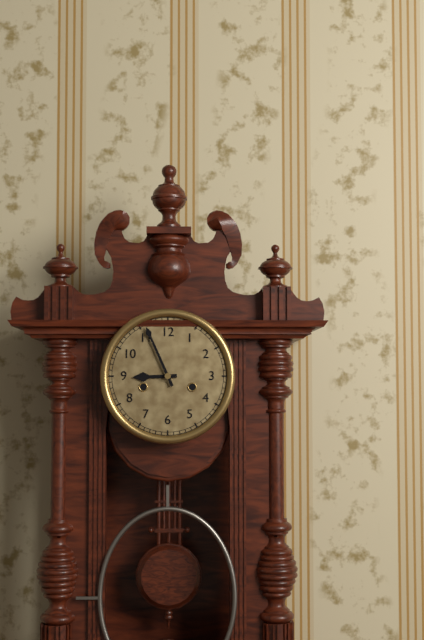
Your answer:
**8:56**
